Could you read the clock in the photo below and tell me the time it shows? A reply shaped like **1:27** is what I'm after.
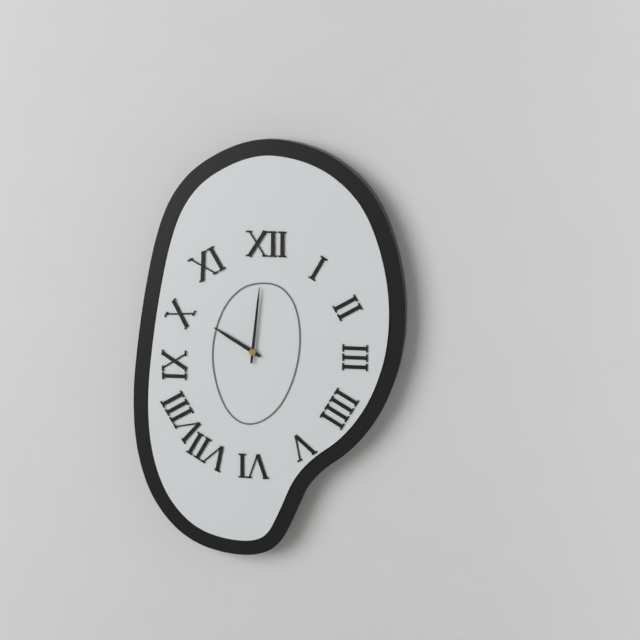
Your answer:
**10:01**
